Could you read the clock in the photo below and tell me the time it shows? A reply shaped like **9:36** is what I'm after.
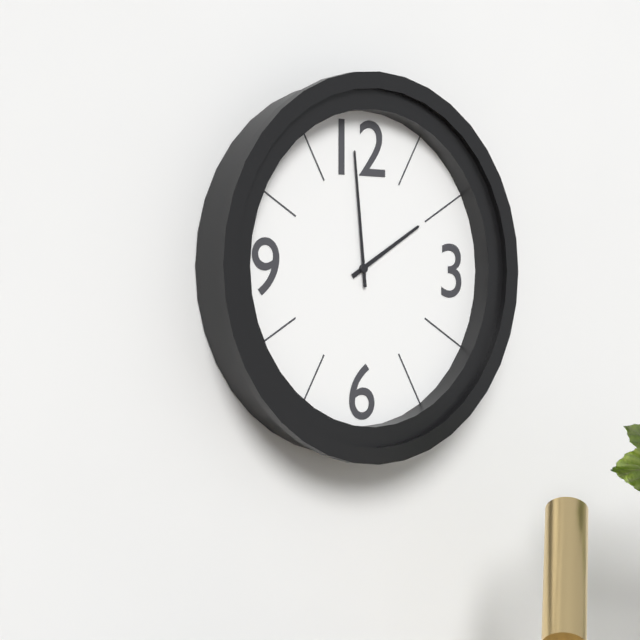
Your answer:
**1:59**
